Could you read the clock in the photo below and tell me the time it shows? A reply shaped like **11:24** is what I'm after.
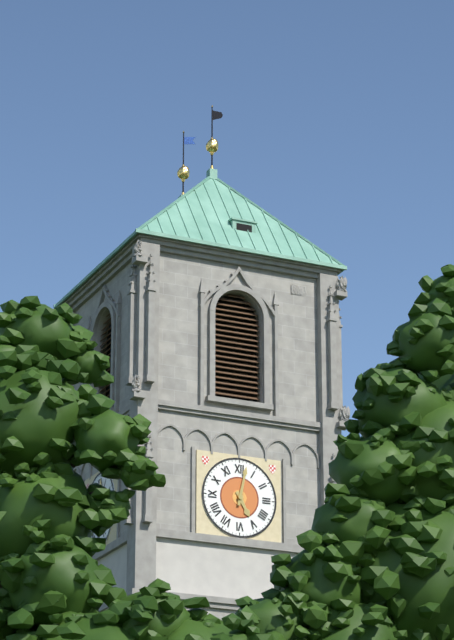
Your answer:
**5:02**
